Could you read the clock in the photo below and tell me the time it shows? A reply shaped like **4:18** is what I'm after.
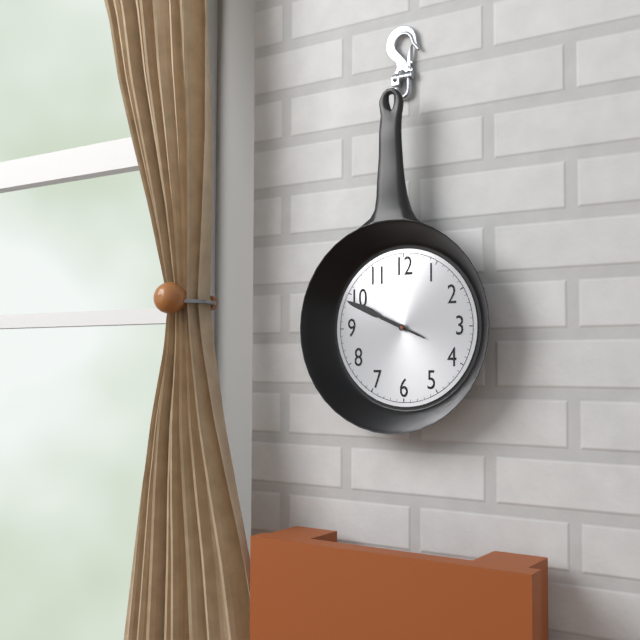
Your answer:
**9:49**
